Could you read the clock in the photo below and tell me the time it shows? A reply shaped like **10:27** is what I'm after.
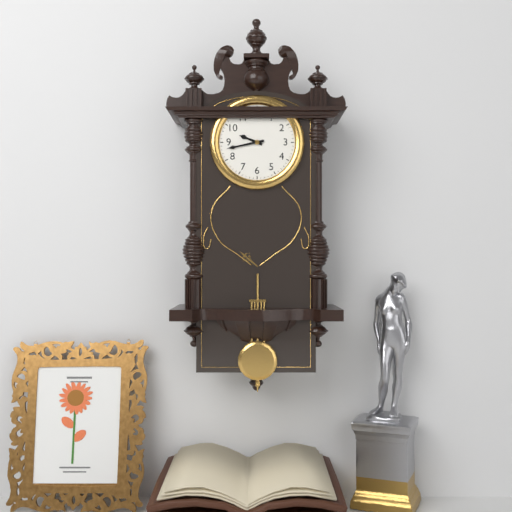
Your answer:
**9:43**
